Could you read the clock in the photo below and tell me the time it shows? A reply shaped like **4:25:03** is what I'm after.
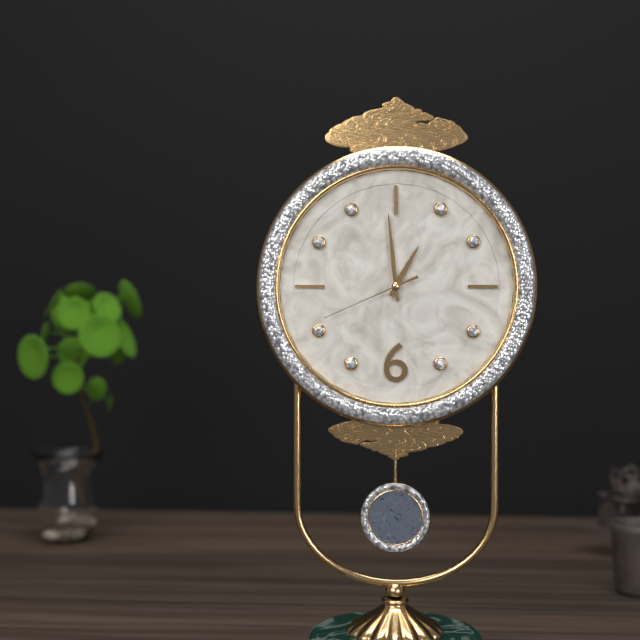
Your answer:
**12:59:41**
